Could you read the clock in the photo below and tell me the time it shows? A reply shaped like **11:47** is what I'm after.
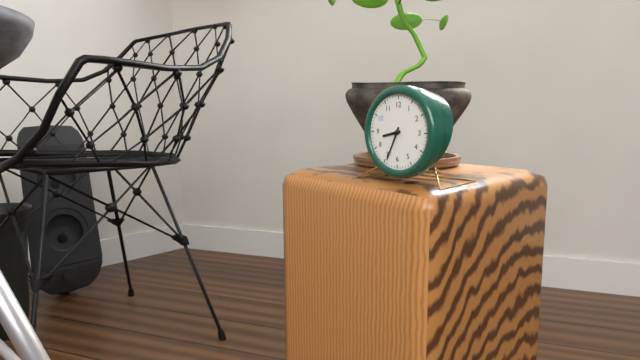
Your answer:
**8:34**
